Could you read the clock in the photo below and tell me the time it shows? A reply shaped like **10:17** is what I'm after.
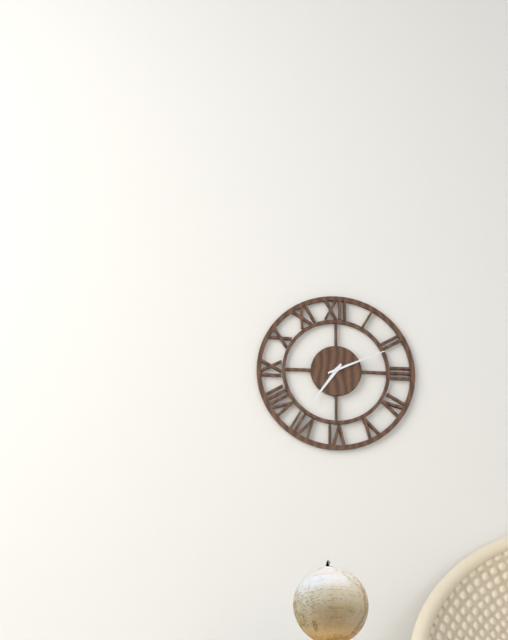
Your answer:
**7:11**
